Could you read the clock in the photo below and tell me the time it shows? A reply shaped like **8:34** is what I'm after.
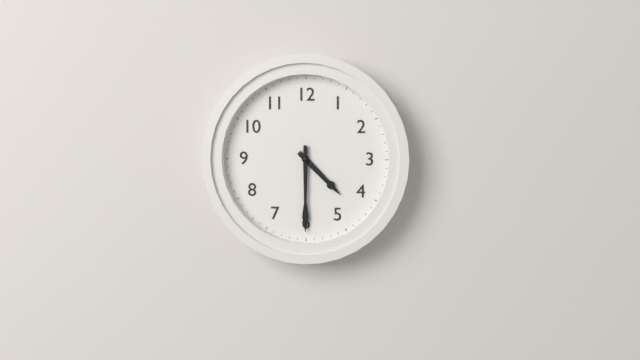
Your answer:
**4:30**
